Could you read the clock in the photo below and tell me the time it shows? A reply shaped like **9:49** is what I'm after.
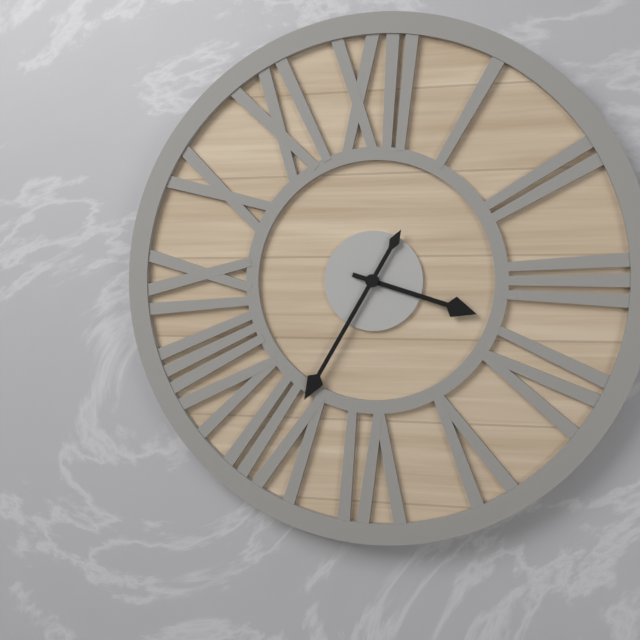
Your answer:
**3:35**
